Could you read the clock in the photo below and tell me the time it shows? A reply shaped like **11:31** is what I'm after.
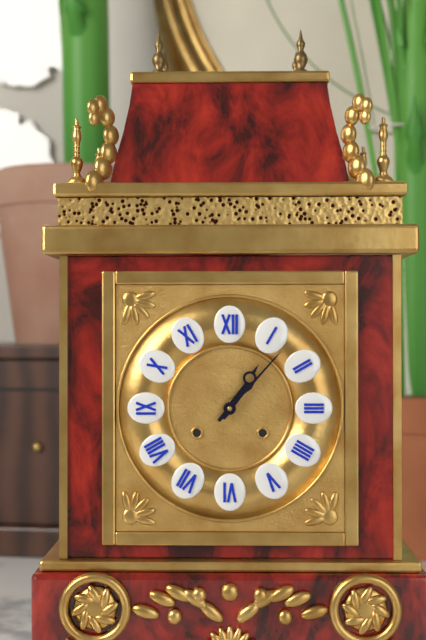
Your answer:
**1:07**
